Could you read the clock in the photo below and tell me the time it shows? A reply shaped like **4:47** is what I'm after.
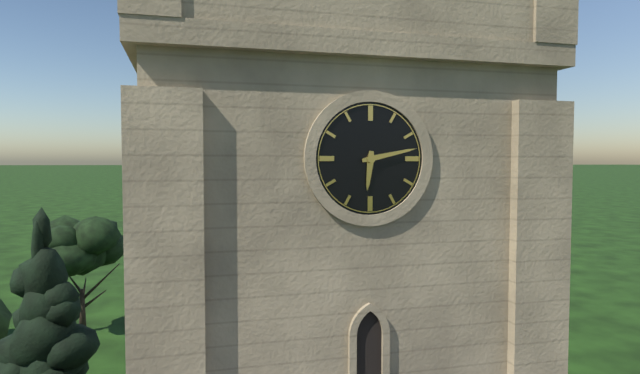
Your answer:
**6:13**
